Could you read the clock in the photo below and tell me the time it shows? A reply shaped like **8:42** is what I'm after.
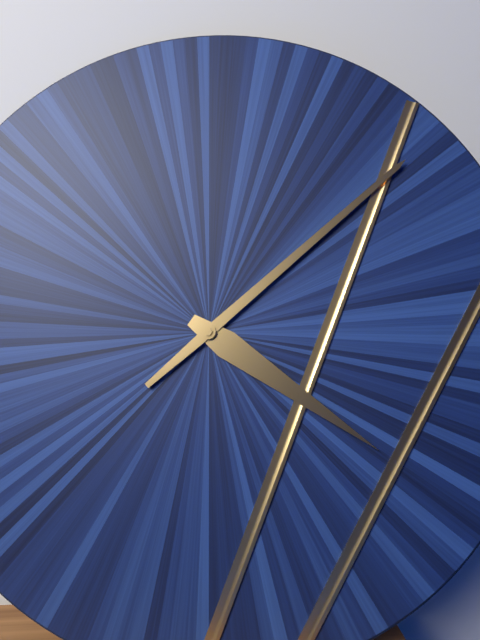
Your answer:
**4:08**
